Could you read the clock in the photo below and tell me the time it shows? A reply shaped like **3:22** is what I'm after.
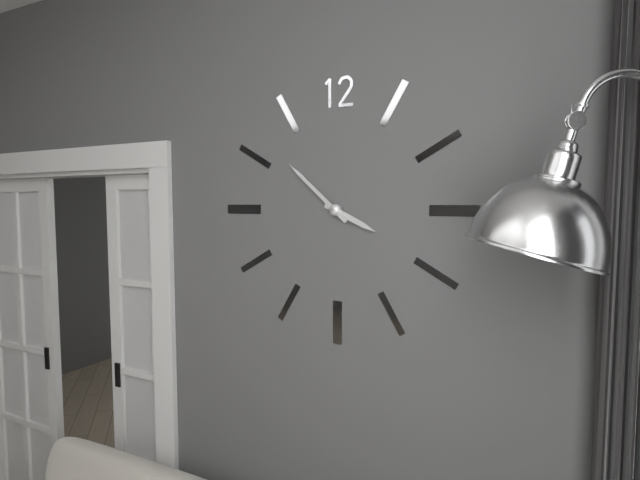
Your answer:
**3:52**
